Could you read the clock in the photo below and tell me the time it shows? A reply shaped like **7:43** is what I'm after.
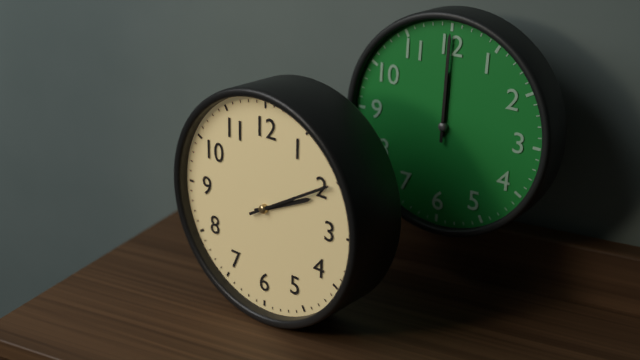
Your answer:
**2:10**
